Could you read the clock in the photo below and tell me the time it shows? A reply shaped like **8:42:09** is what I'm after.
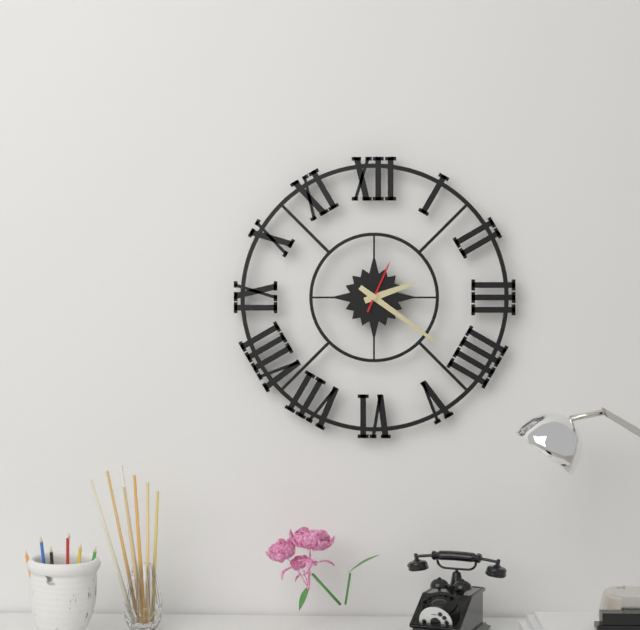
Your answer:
**2:21:04**
